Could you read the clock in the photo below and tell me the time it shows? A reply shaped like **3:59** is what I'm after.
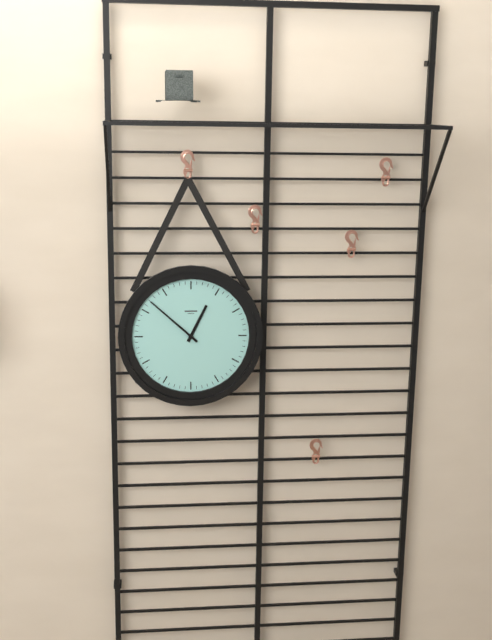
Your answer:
**12:52**
